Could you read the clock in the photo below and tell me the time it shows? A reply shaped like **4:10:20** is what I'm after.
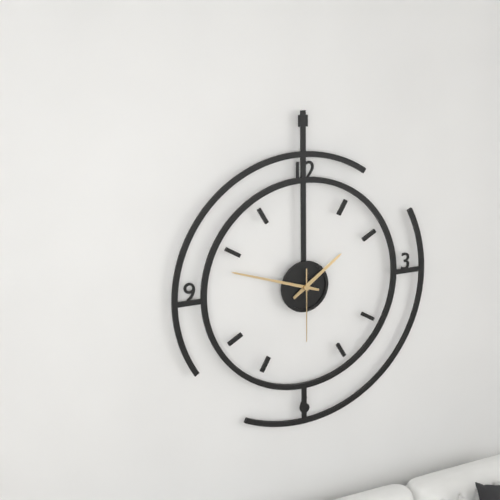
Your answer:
**1:48:30**
